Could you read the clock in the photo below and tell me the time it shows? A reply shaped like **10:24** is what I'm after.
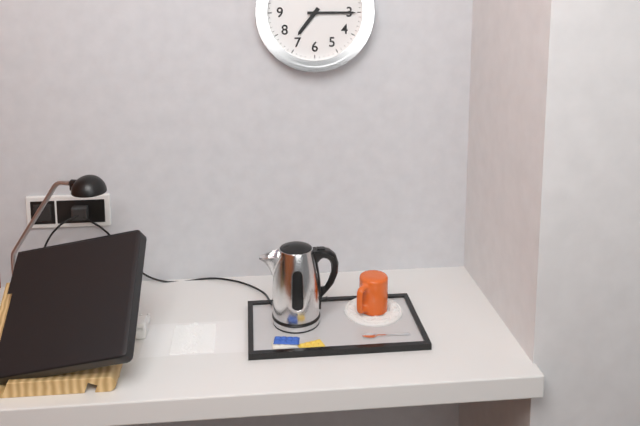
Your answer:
**7:15**
